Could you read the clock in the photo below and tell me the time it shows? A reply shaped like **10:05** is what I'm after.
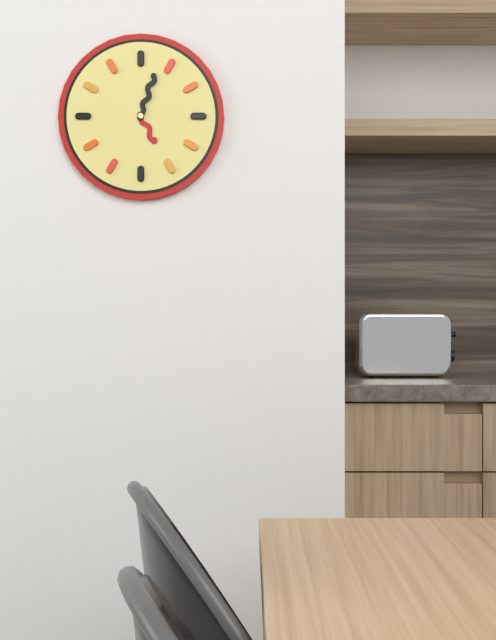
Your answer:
**5:03**
